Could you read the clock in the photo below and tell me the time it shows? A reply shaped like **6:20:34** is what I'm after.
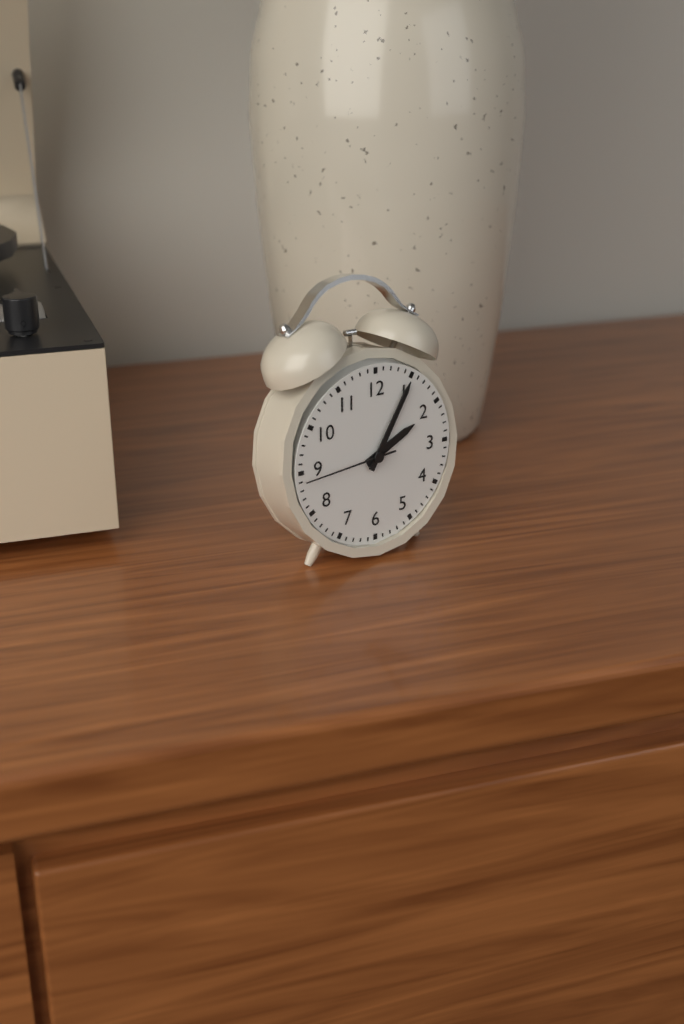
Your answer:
**2:05:44**
